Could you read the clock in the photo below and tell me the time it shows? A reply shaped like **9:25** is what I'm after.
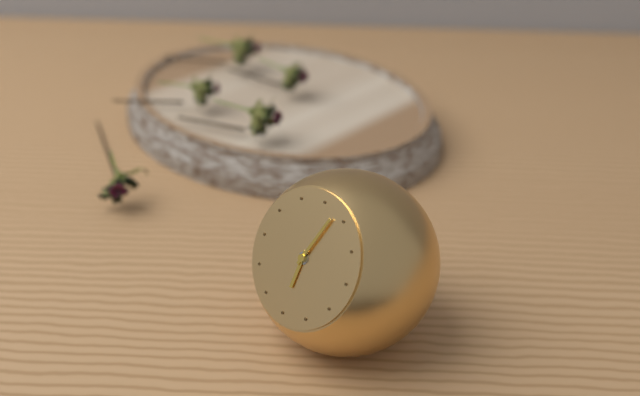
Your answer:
**6:03**
